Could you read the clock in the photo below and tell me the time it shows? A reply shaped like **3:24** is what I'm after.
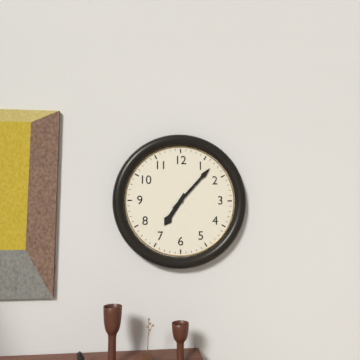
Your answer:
**7:07**
